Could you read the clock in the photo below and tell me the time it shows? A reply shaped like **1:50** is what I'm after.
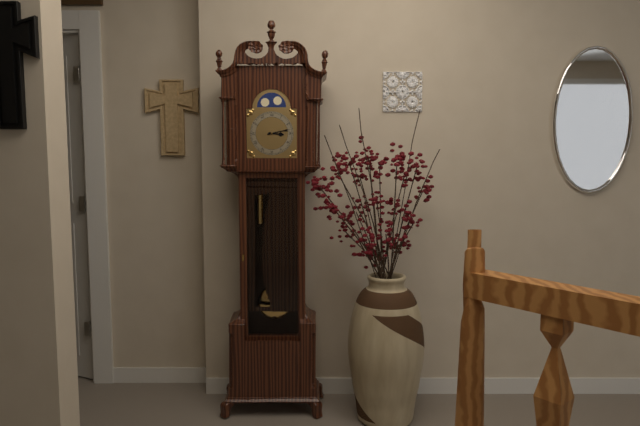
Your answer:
**3:13**
